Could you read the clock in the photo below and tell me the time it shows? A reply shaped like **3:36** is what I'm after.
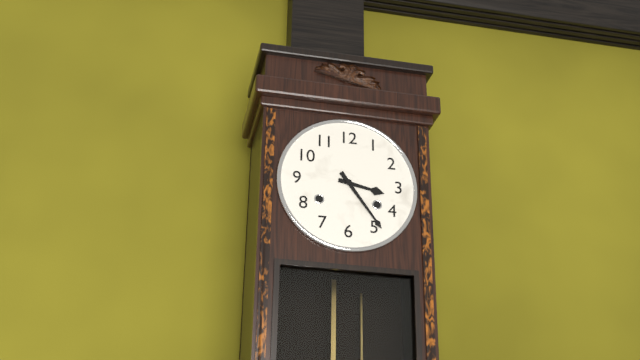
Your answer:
**3:24**
